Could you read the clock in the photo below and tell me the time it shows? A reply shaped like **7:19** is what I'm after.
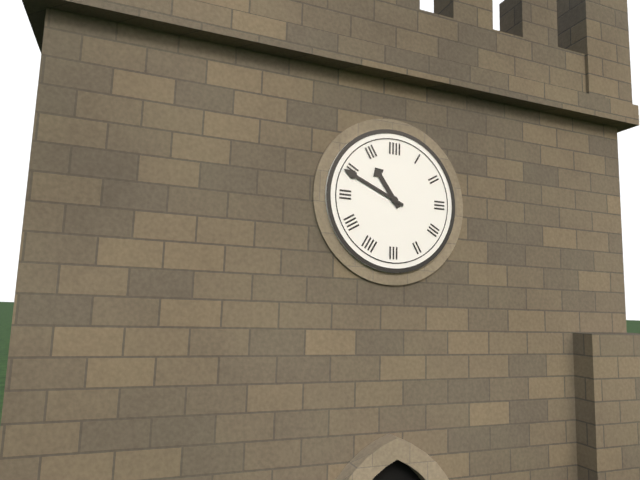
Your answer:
**10:49**
